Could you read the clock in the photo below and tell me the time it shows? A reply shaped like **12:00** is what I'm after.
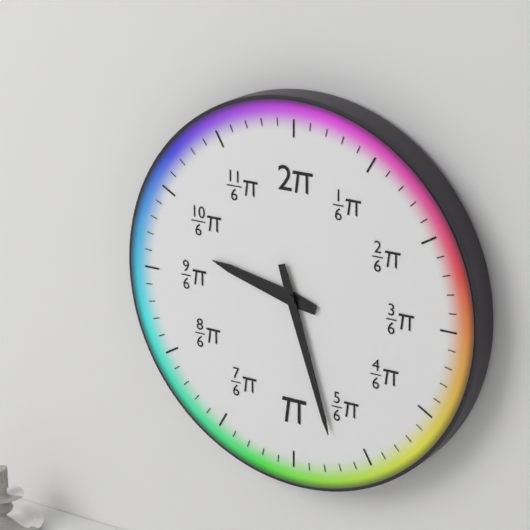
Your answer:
**9:27**
